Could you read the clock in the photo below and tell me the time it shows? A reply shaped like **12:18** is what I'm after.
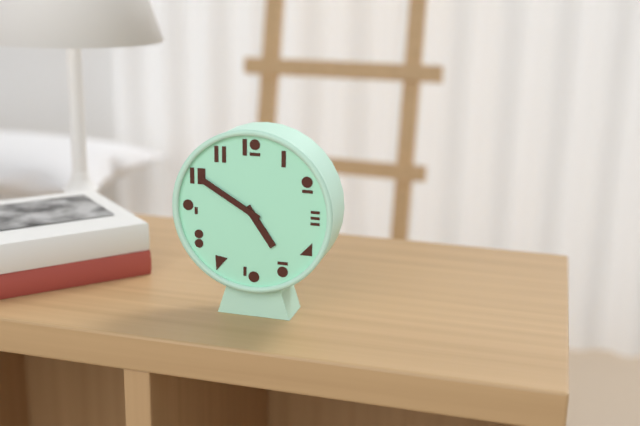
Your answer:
**4:50**
